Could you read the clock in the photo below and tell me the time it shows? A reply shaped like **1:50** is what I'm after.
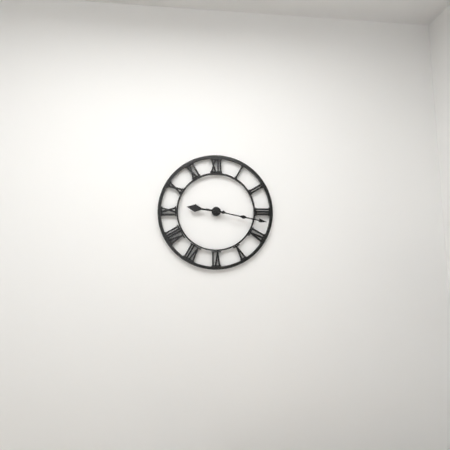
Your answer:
**9:17**
